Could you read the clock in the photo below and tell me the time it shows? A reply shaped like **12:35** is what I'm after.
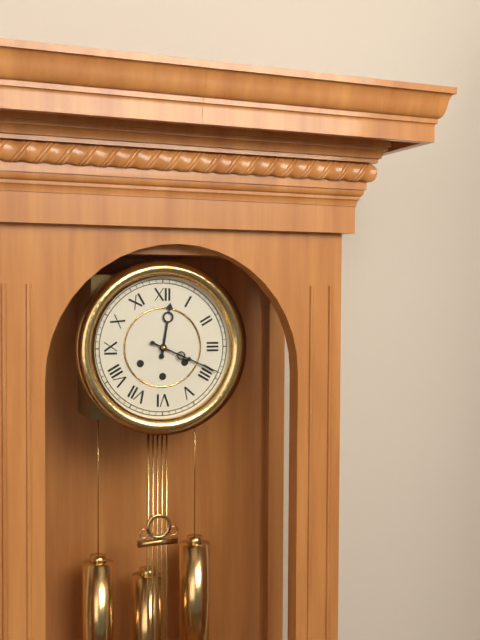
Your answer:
**12:19**
